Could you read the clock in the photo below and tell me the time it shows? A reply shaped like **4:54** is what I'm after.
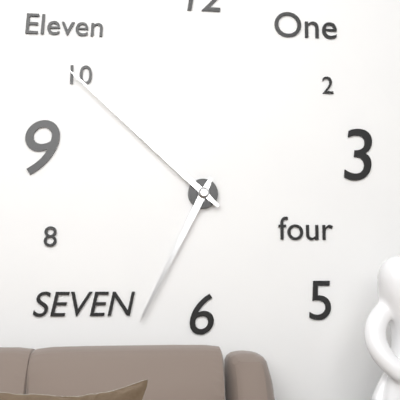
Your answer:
**6:52**
